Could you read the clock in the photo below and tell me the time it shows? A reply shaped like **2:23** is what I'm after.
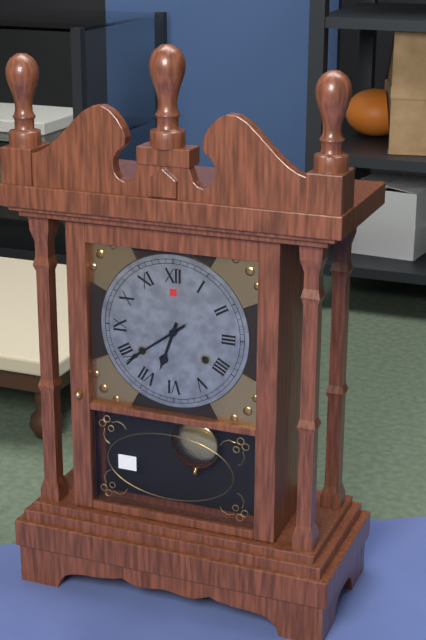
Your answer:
**6:39**
